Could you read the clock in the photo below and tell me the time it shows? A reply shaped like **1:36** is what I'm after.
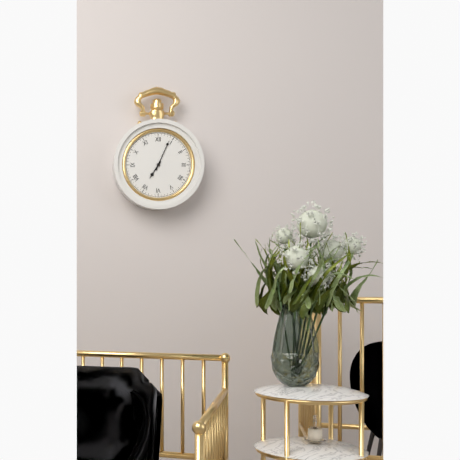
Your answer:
**7:04**
